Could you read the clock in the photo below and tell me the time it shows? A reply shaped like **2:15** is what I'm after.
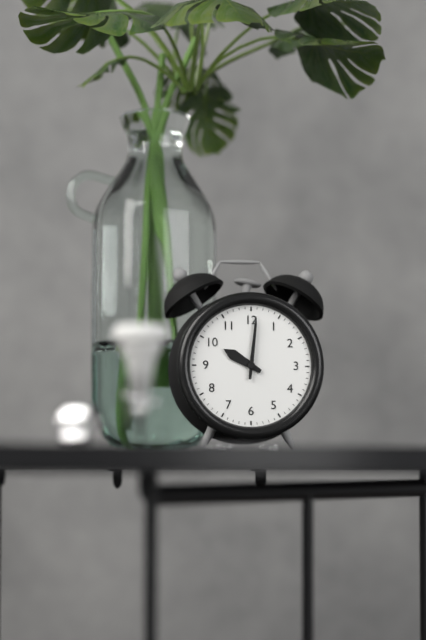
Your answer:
**10:01**
